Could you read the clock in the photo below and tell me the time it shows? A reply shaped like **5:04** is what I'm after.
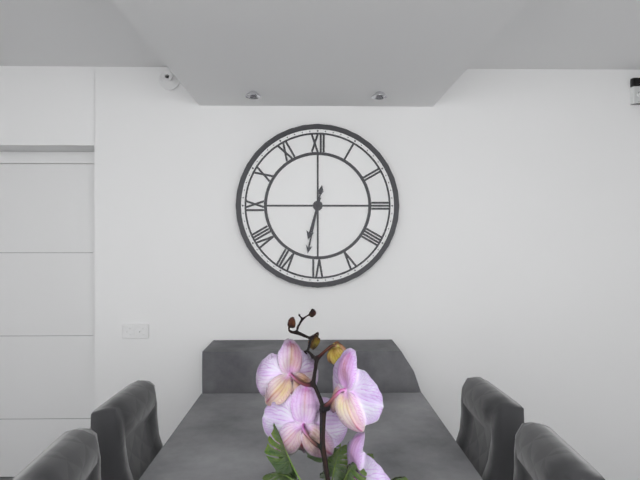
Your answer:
**6:32**
